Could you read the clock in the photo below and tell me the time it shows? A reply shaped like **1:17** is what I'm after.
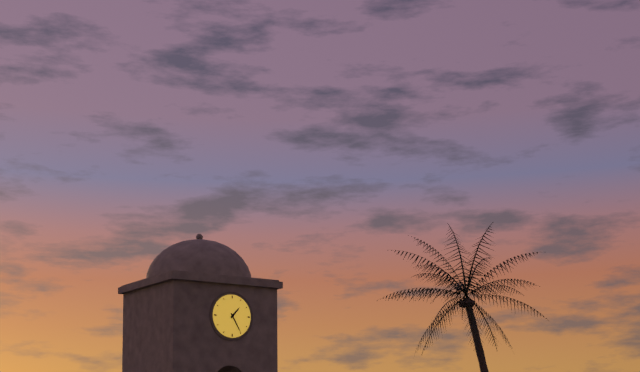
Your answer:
**1:25**
